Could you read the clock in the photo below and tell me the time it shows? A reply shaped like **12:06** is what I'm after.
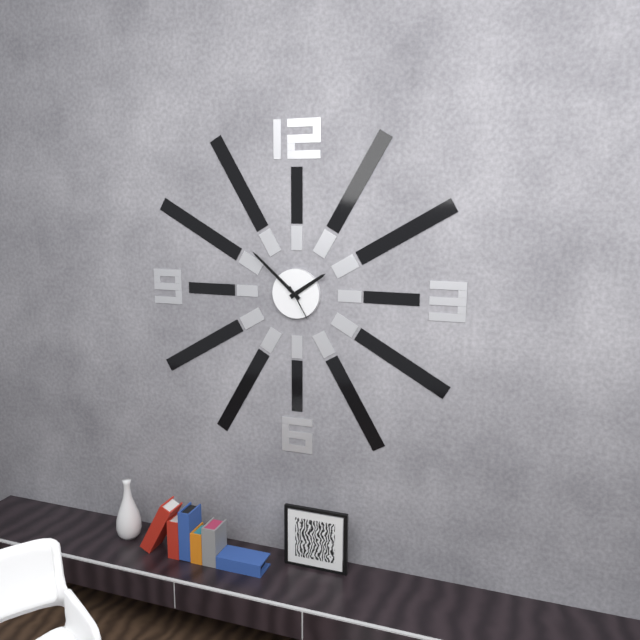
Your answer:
**1:52**
